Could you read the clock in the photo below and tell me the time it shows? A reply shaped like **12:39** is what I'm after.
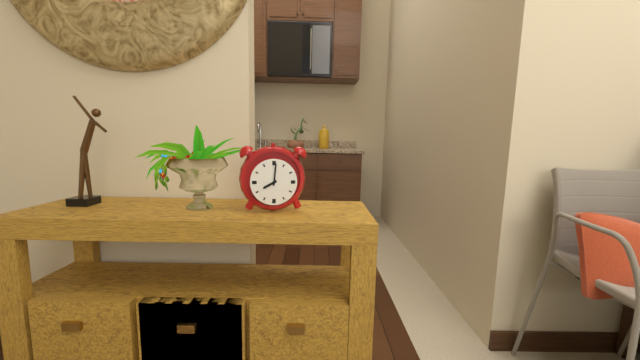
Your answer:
**8:01**
